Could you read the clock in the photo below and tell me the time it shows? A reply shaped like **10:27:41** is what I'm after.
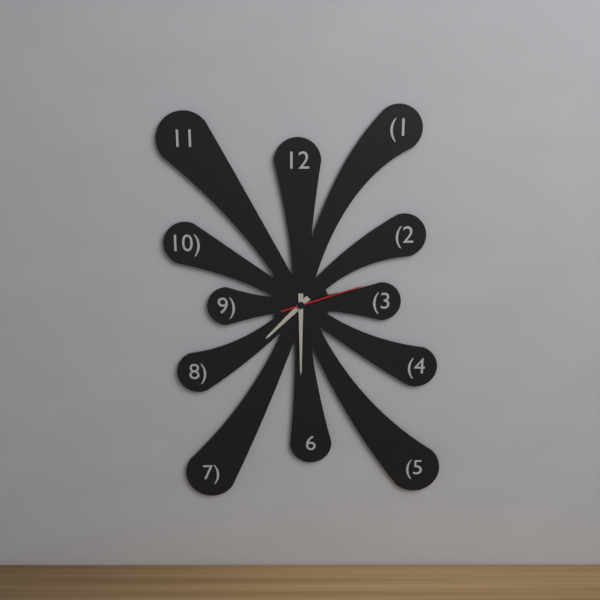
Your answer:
**7:30:12**
